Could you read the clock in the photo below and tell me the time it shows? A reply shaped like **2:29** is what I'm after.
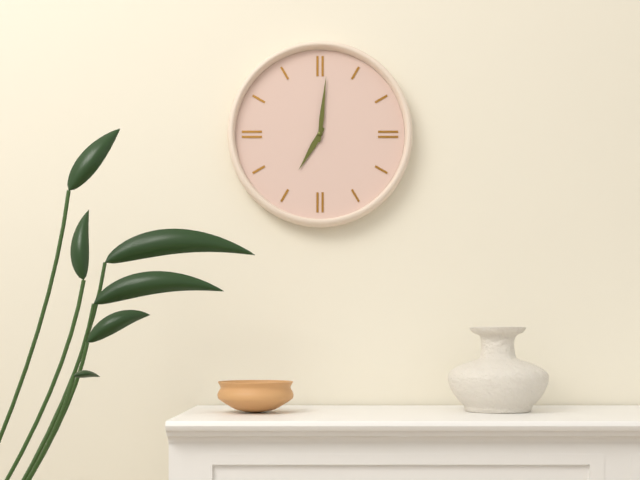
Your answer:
**7:01**
